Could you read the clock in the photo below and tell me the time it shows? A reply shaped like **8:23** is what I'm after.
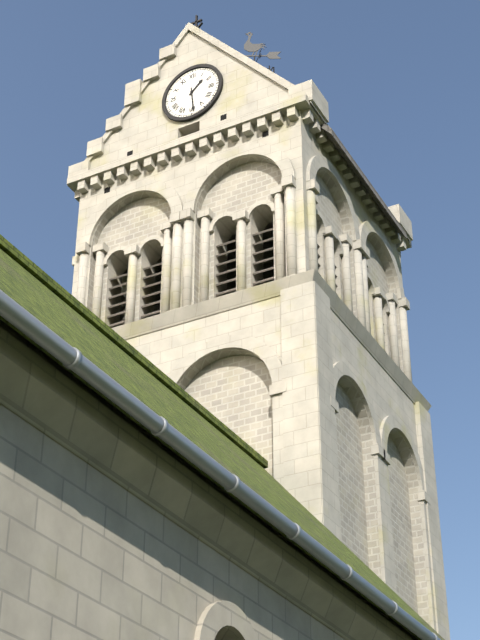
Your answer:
**1:29**
